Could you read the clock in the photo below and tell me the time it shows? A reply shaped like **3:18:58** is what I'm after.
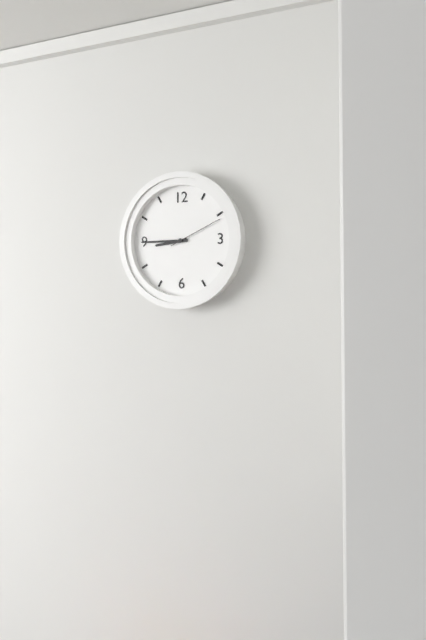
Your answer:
**8:45:11**
